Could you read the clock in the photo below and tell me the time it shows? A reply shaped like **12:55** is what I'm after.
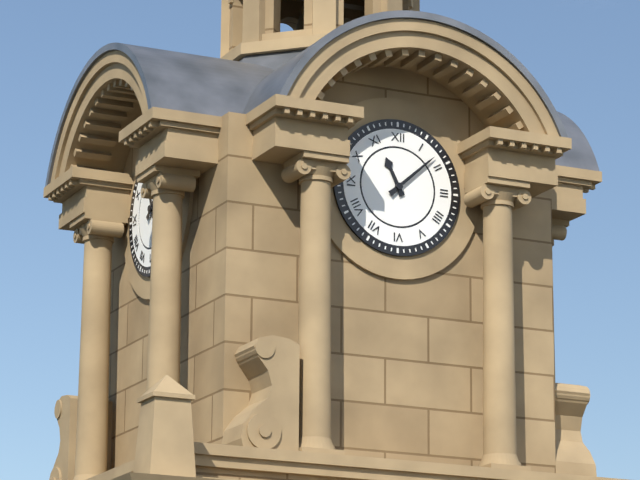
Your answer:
**11:08**
